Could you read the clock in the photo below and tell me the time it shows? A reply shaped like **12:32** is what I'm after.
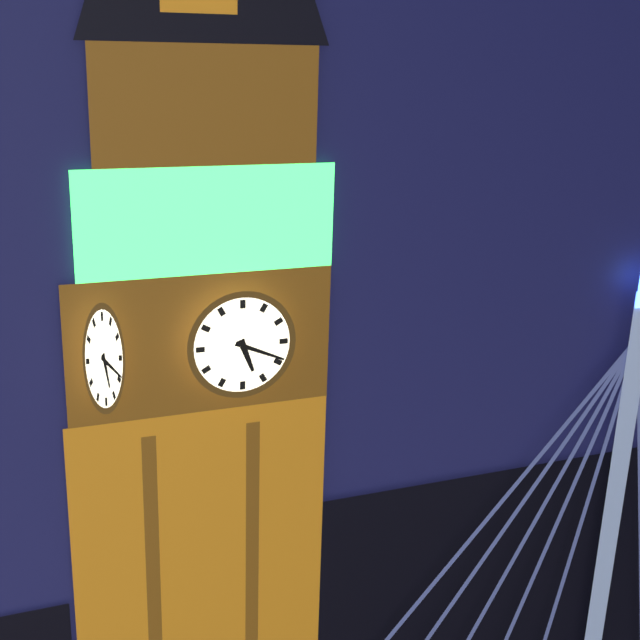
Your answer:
**5:19**
